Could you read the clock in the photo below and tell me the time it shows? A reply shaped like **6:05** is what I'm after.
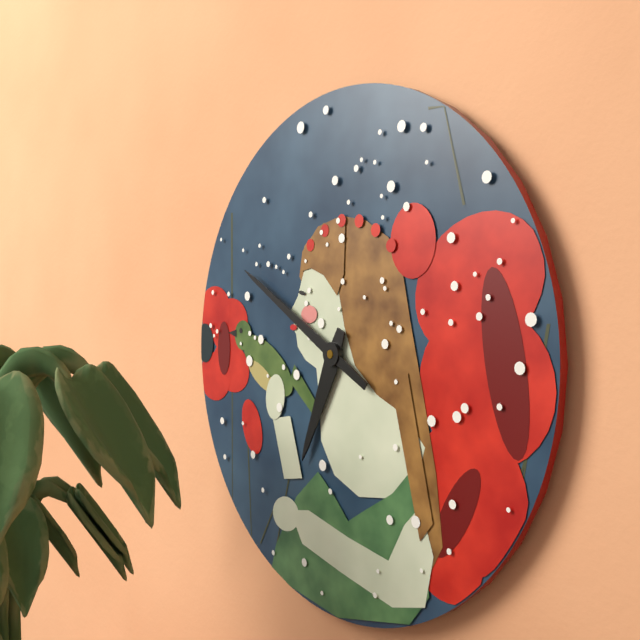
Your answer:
**6:50**
